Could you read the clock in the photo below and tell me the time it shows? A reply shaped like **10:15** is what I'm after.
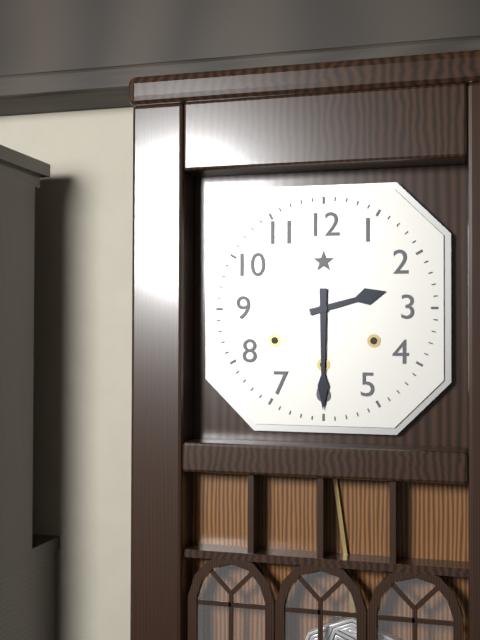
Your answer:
**2:30**
